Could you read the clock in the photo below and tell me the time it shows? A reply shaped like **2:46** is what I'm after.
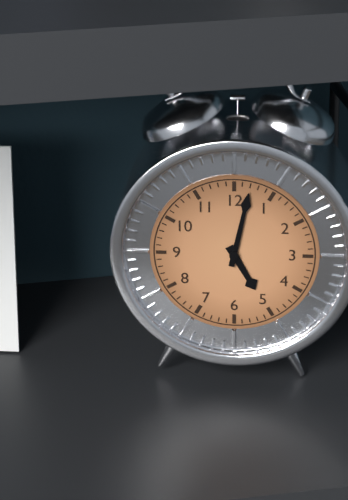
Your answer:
**5:02**
